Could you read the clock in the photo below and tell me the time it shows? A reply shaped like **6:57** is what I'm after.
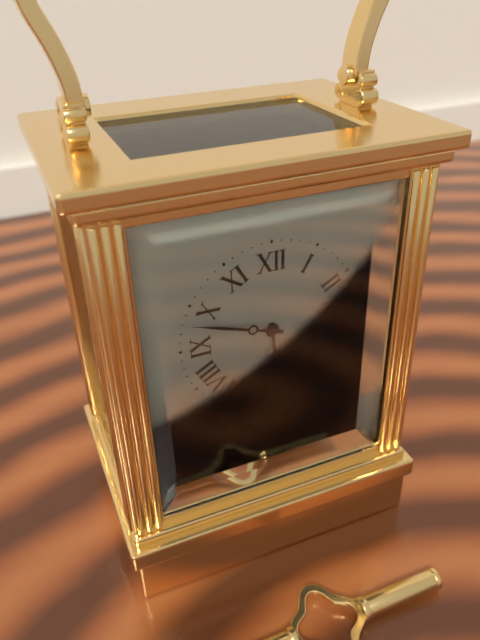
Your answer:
**5:48**
